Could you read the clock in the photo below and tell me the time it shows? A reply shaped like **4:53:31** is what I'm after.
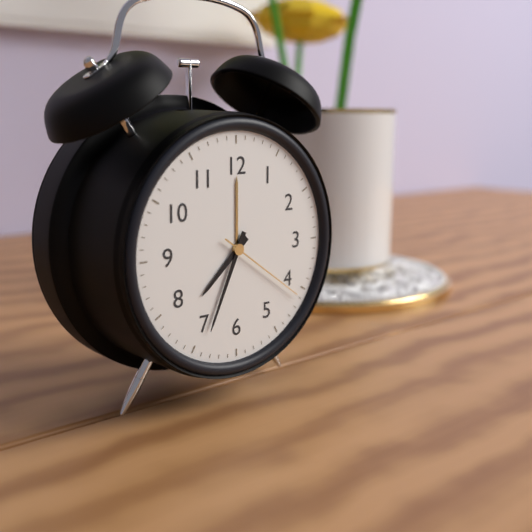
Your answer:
**7:34:21**
